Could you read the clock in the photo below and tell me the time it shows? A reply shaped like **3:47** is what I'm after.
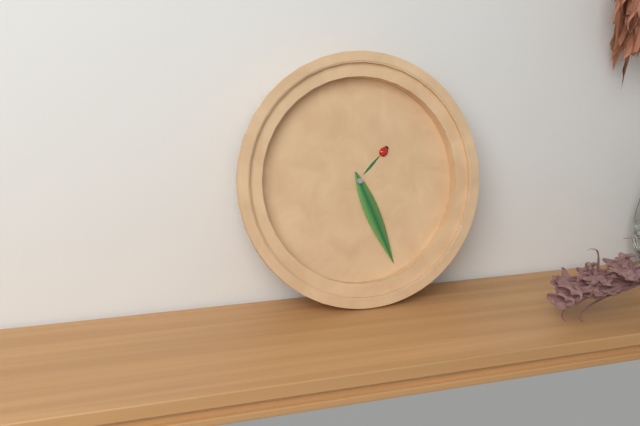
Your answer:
**1:26**
